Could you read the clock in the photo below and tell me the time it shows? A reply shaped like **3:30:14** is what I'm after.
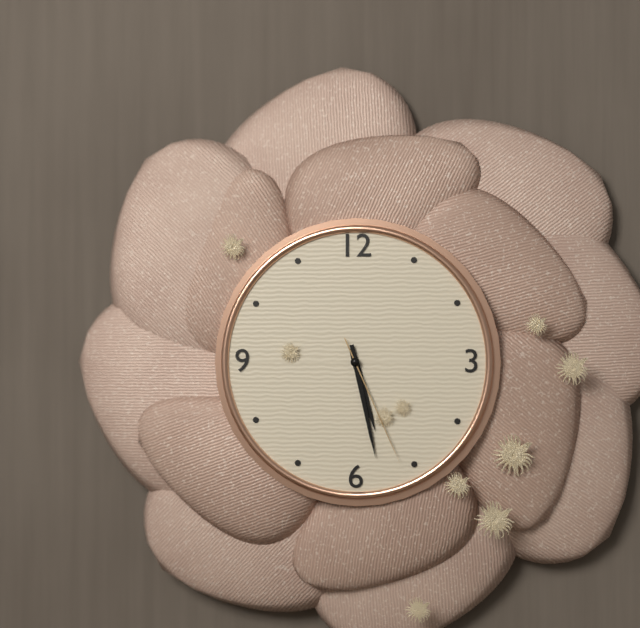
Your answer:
**5:28:26**
